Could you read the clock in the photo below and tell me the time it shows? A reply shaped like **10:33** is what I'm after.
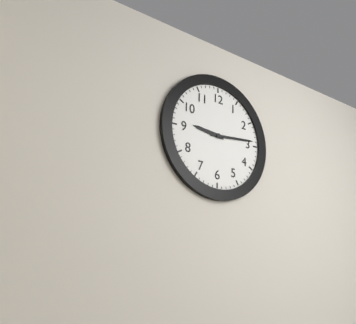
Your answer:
**9:14**
